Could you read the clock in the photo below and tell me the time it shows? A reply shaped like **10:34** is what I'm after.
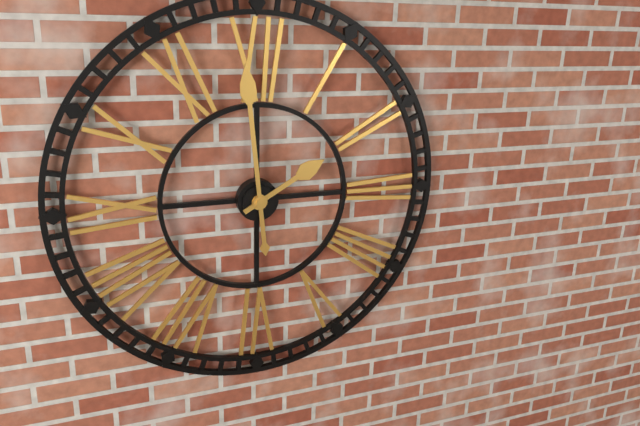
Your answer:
**1:59**
